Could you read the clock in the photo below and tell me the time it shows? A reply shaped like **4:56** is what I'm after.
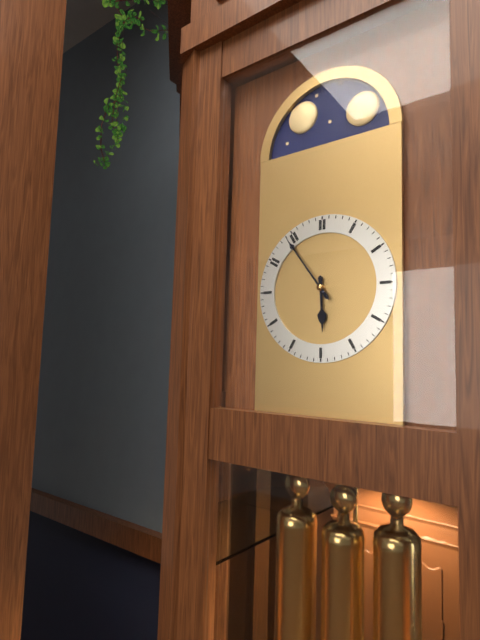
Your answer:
**5:54**
